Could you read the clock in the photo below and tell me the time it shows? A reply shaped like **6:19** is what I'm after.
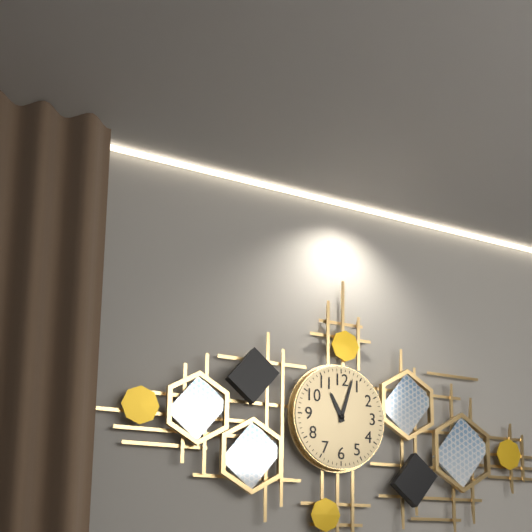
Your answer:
**11:03**
